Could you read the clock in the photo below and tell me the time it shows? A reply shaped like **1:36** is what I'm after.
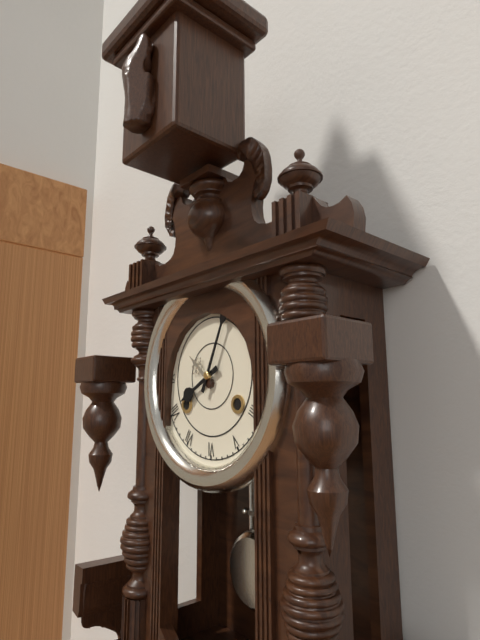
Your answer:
**8:04**
